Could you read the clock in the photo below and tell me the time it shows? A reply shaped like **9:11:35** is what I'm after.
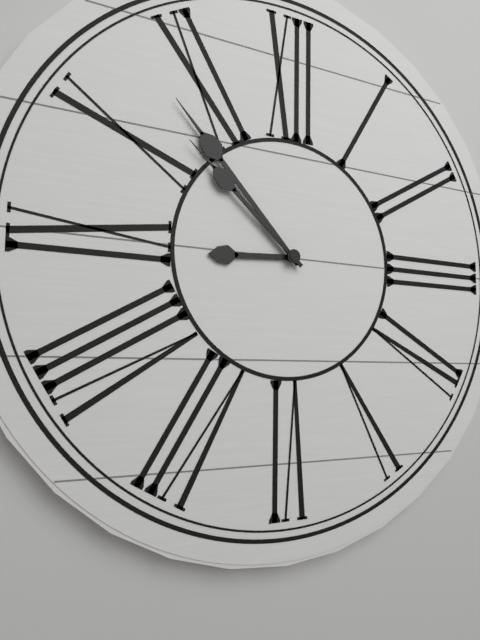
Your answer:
**8:53:52**
